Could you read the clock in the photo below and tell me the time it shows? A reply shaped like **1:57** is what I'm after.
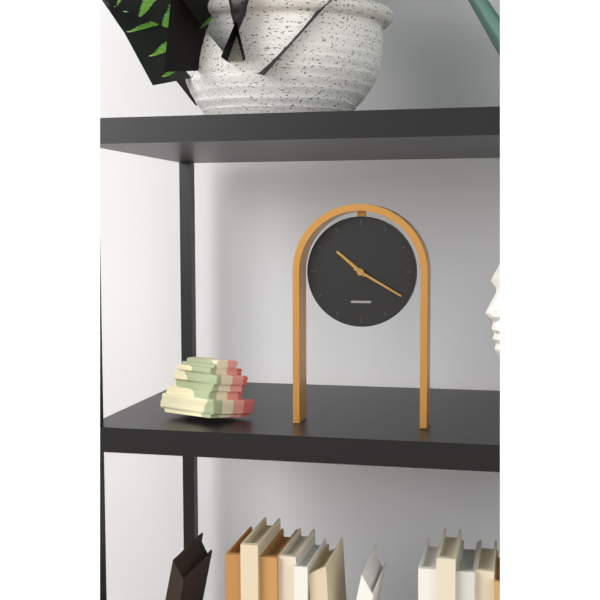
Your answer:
**10:20**
